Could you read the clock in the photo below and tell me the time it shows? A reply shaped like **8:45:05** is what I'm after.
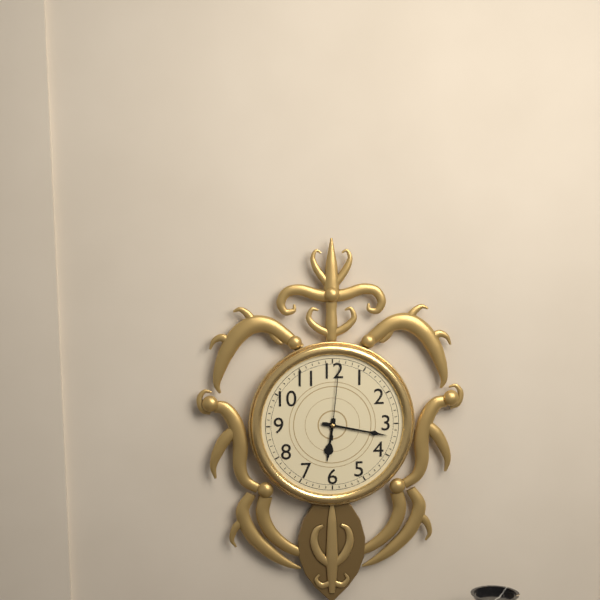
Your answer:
**6:17:01**
